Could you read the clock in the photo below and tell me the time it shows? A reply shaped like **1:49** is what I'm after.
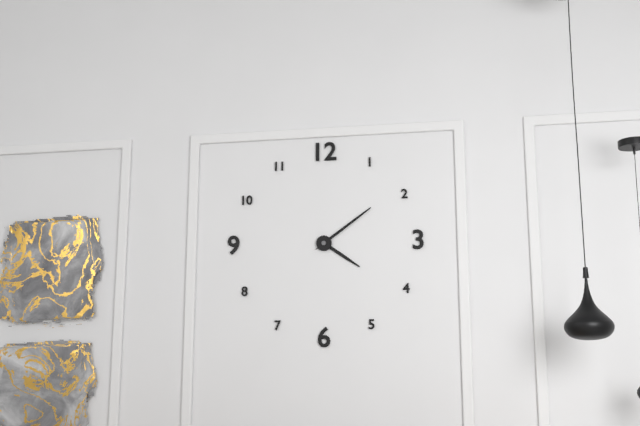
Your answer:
**4:09**
